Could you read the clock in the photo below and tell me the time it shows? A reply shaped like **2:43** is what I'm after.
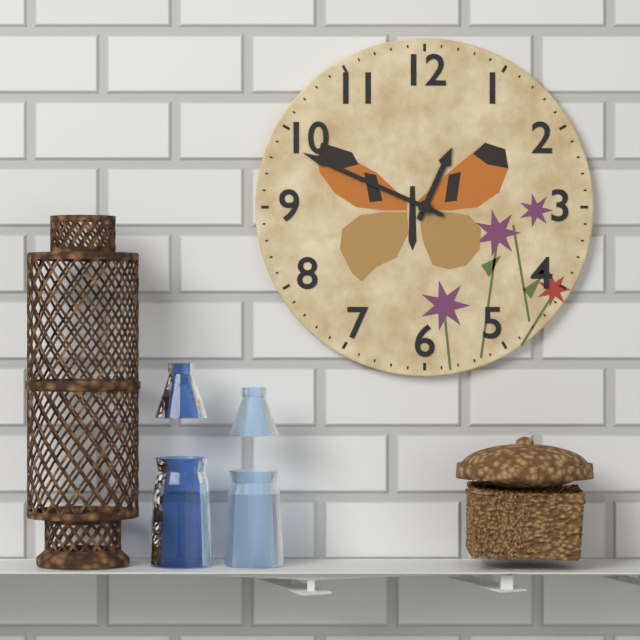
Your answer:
**12:49**
